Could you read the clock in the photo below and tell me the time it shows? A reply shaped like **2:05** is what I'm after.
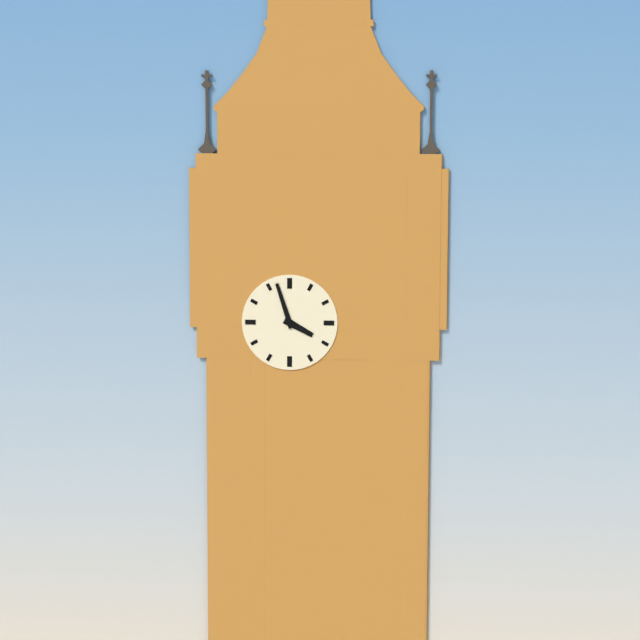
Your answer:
**3:57**
